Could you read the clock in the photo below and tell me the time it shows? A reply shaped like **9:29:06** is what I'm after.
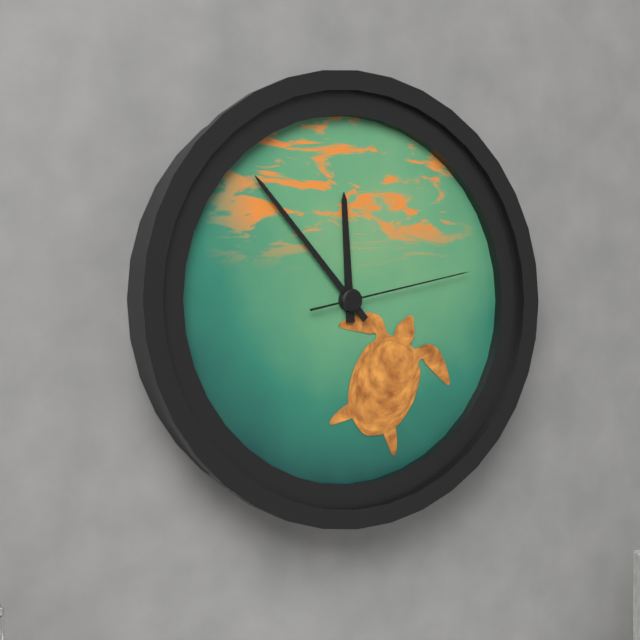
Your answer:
**11:53:13**
